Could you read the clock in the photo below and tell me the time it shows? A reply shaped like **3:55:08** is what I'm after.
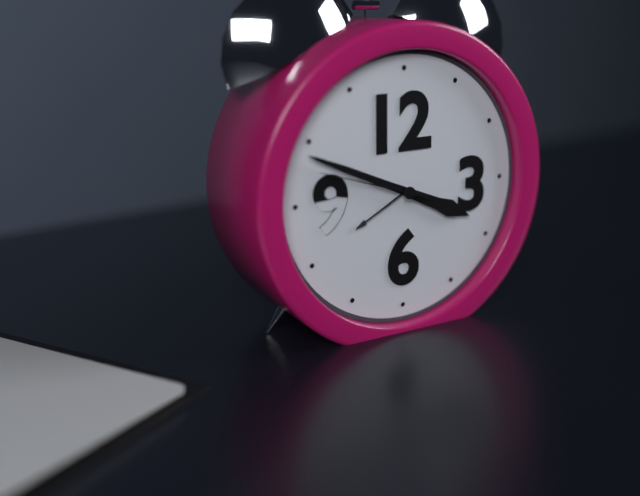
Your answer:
**3:49:48**
